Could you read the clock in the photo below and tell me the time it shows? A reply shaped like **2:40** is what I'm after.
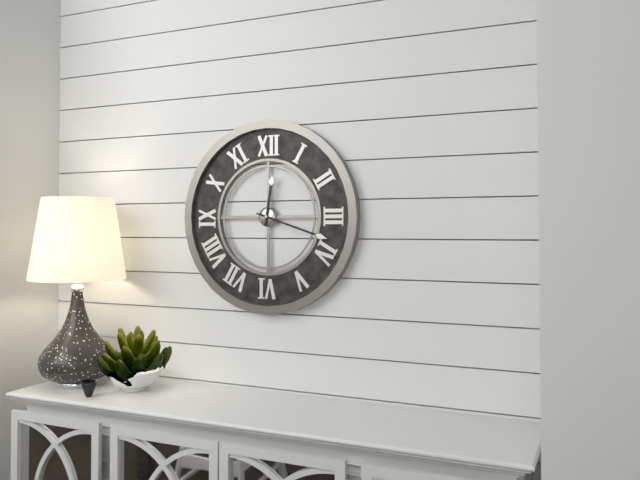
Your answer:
**12:18**
